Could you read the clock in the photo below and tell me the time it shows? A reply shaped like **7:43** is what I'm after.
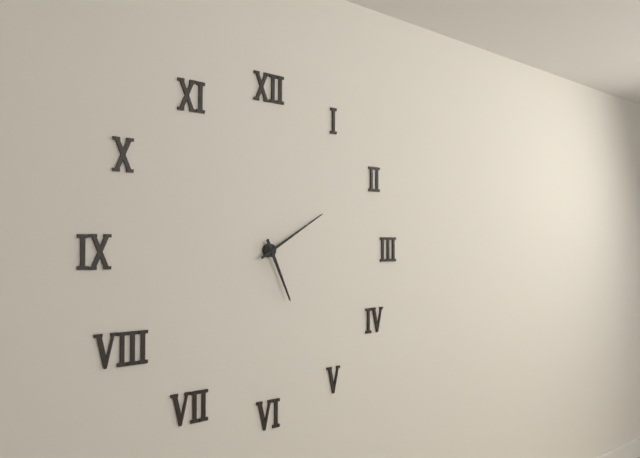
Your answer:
**5:10**
